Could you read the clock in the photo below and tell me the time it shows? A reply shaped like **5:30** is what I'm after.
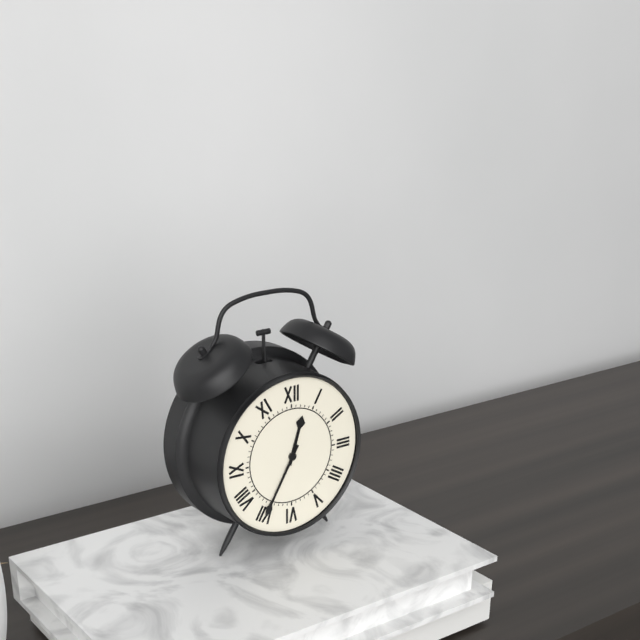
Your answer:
**12:35**
